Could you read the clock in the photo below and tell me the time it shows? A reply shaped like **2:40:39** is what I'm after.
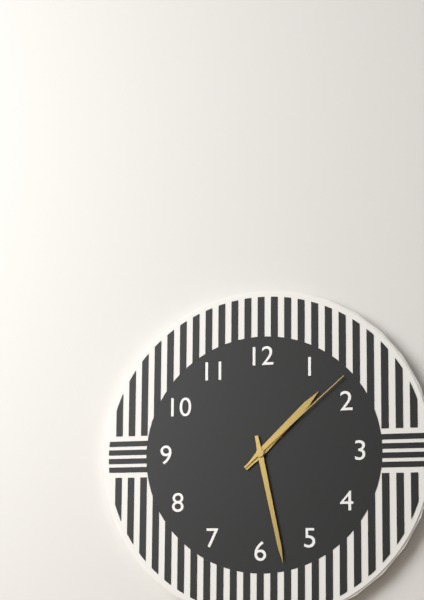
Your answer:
**1:28:08**
